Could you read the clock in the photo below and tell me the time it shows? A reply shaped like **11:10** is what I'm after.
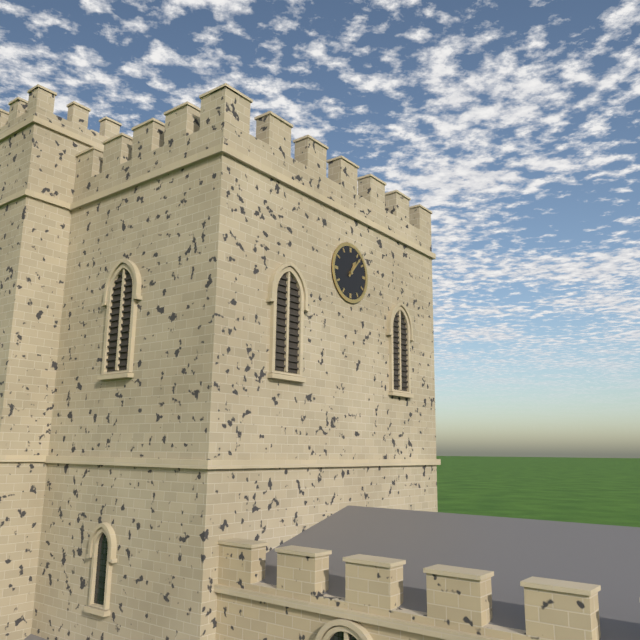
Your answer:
**1:07**
